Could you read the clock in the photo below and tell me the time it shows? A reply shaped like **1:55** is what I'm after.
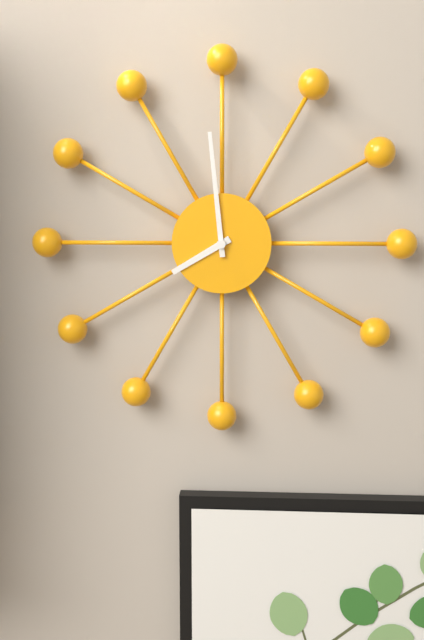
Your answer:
**7:59**
